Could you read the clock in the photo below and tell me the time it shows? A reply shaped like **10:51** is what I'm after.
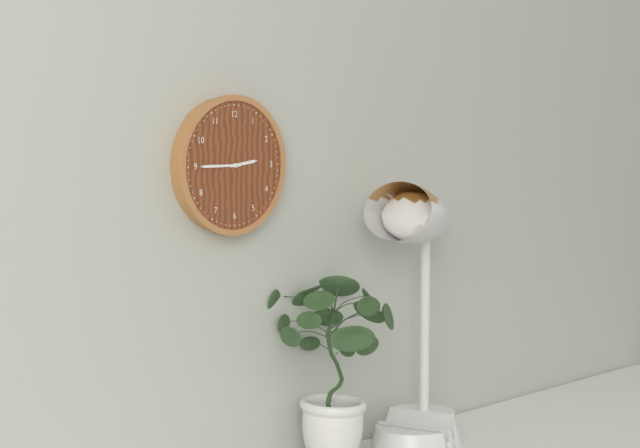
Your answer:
**2:45**
